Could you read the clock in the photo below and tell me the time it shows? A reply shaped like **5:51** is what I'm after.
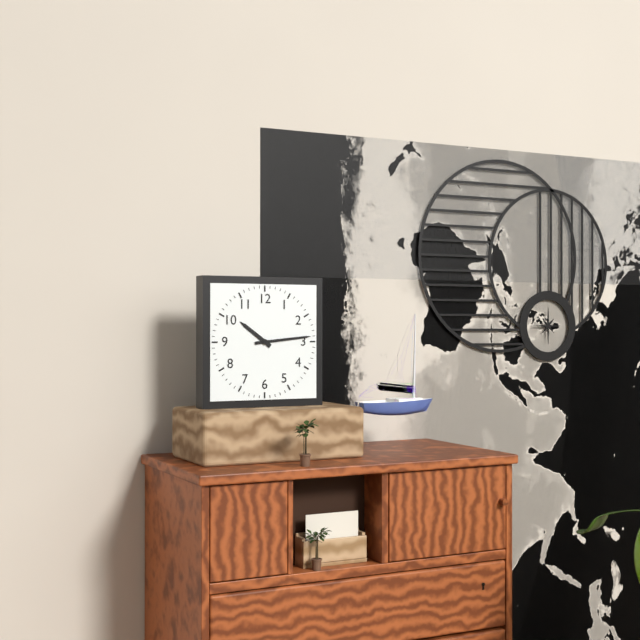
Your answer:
**10:14**
